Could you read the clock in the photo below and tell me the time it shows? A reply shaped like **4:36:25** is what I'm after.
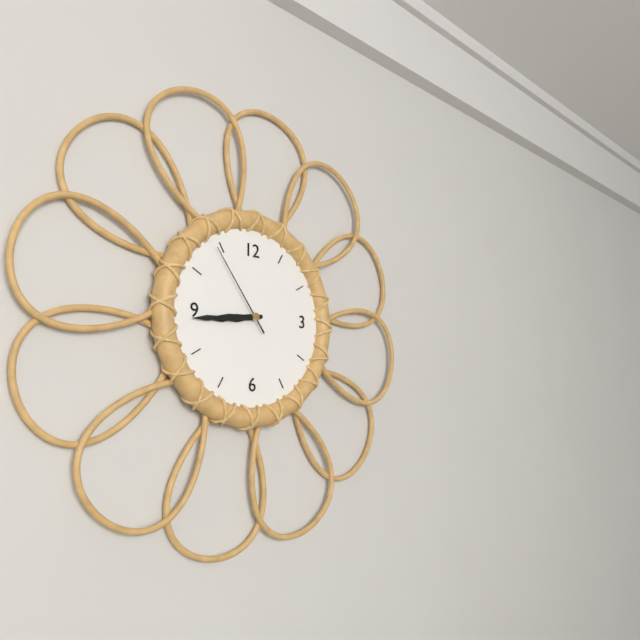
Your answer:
**8:44:54**
